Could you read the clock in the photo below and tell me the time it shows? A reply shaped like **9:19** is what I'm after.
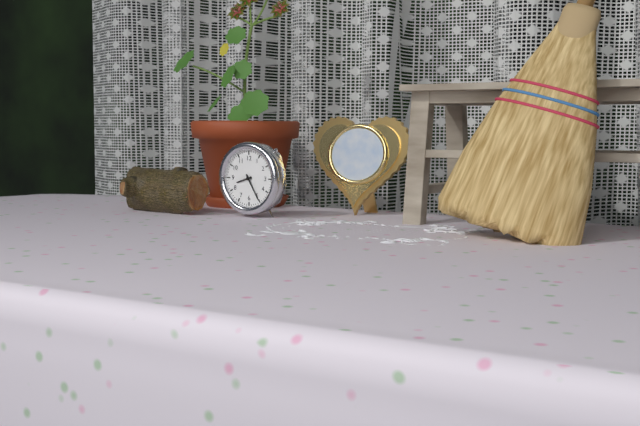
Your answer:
**8:25**
